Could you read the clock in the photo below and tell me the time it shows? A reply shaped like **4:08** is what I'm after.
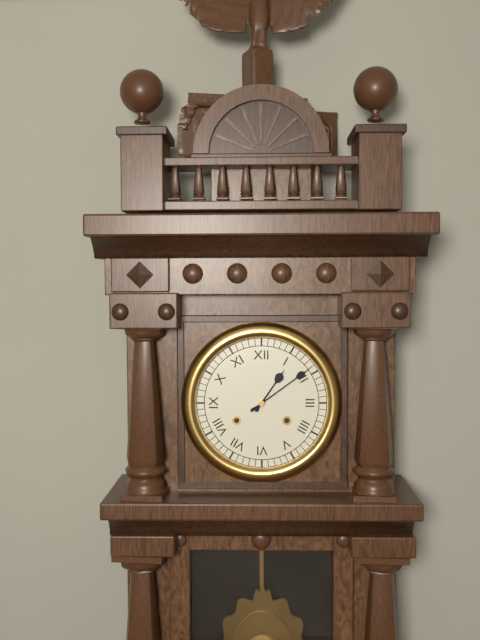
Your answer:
**1:09**
